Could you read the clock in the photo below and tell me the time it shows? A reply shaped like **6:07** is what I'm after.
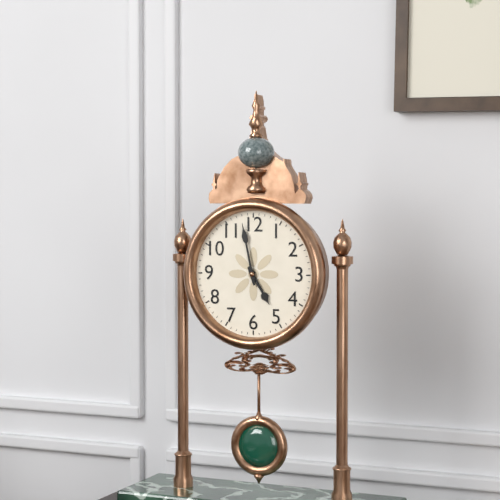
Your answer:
**4:58**
